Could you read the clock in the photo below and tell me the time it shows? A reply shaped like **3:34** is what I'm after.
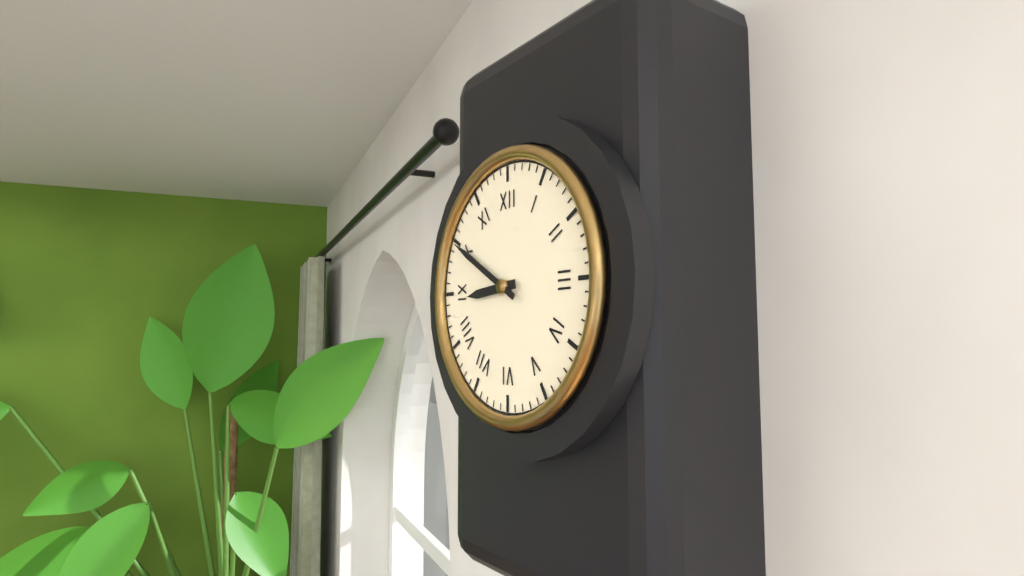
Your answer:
**8:50**
